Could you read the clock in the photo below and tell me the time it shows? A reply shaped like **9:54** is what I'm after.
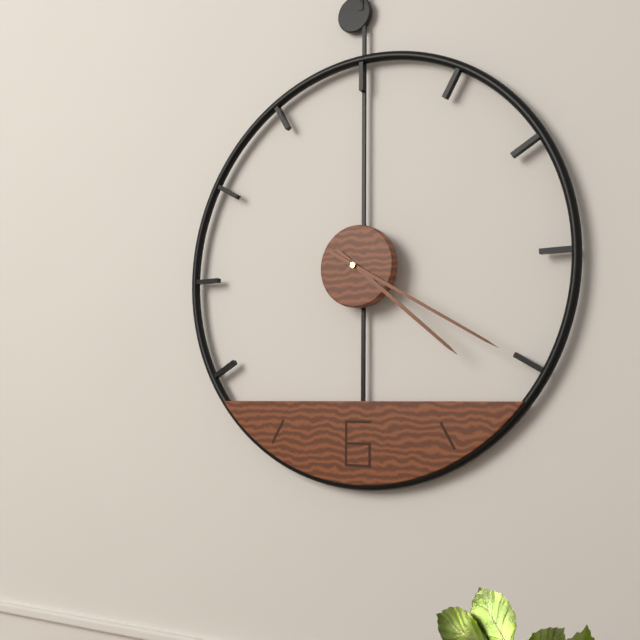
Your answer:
**4:20**
